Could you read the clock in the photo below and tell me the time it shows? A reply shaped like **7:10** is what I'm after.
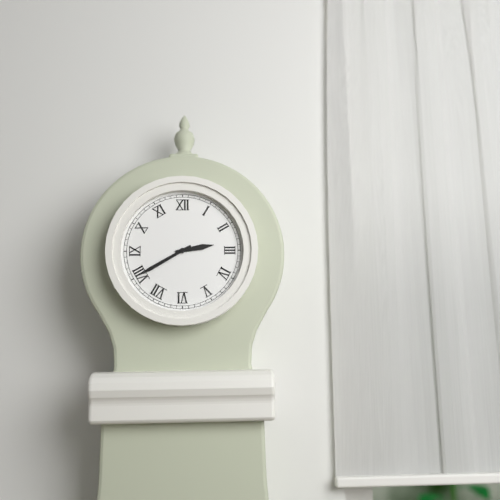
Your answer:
**2:40**
